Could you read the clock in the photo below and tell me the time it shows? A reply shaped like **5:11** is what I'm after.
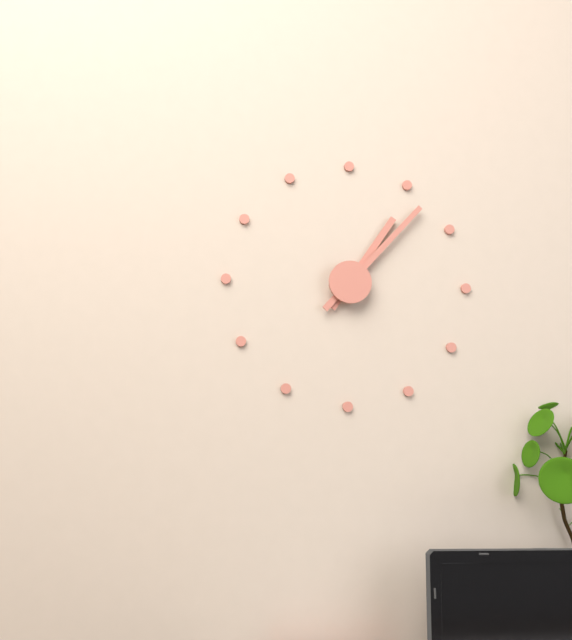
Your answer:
**1:07**
